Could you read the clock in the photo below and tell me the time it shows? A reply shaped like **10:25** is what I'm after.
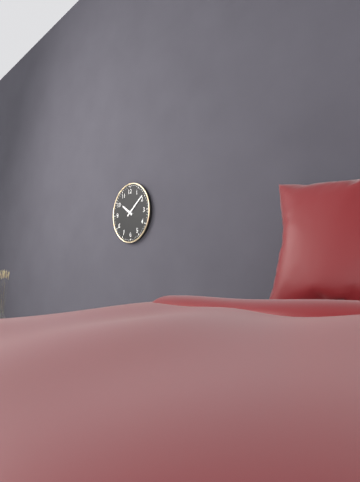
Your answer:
**10:09**
